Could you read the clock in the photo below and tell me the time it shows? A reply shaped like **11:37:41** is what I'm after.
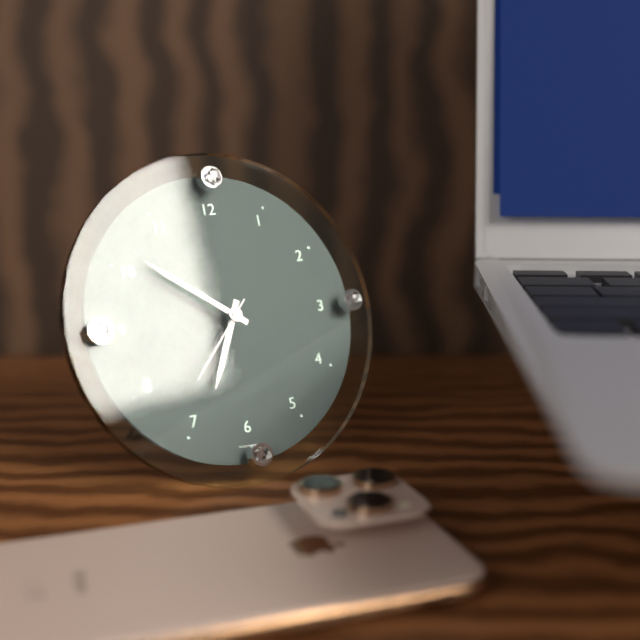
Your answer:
**6:51:37**
